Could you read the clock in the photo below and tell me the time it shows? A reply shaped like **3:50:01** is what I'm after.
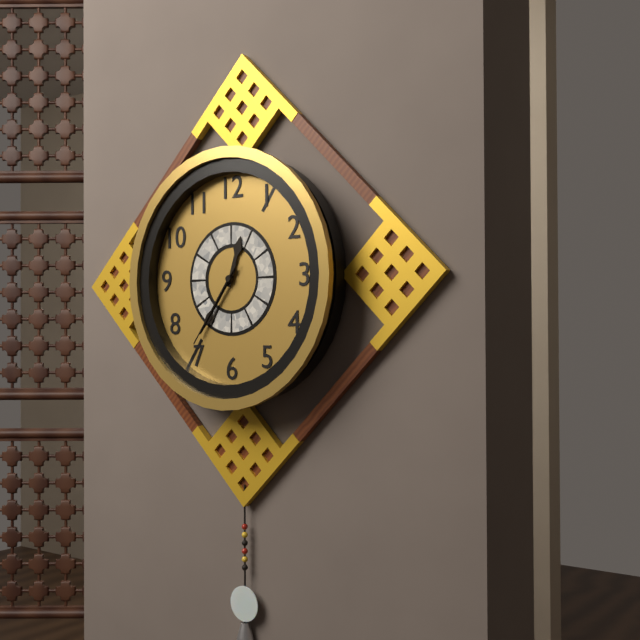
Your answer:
**12:36:36**
